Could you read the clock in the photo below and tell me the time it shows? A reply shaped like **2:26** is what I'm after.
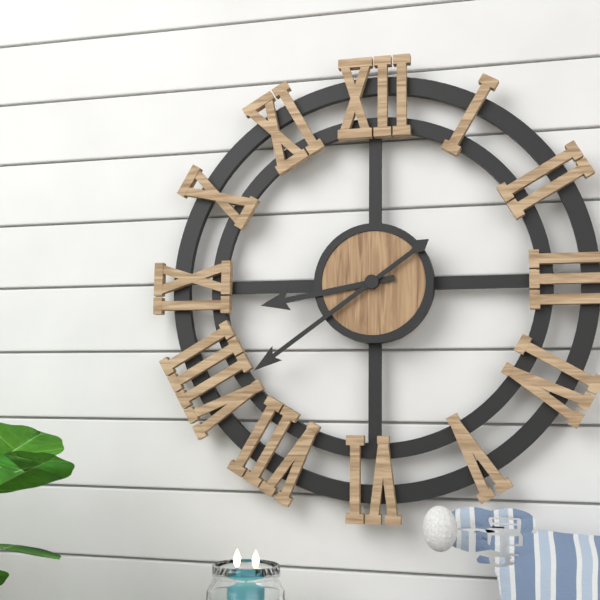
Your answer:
**8:39**
